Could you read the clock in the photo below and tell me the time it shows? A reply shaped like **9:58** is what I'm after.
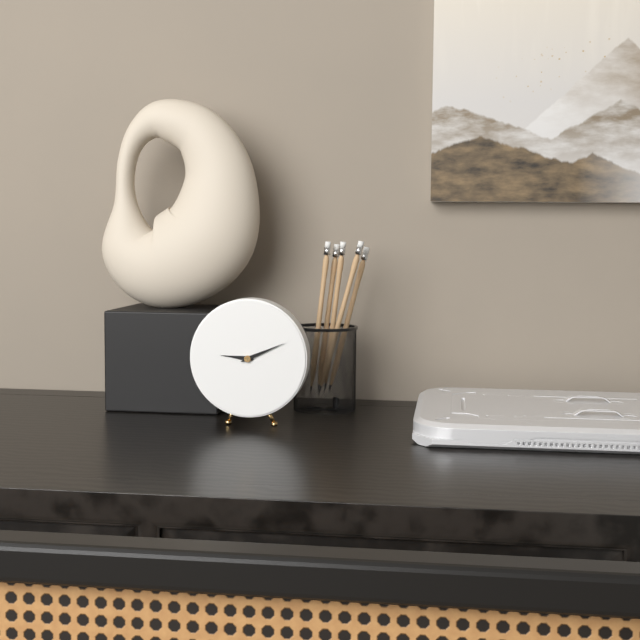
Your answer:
**9:11**
